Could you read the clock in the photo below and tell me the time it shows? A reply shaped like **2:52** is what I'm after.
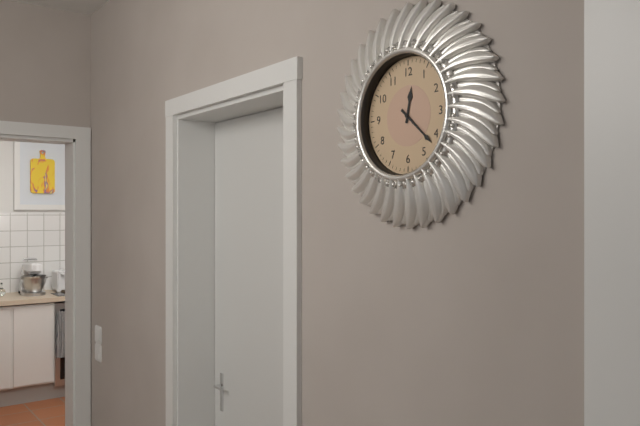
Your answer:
**12:22**
